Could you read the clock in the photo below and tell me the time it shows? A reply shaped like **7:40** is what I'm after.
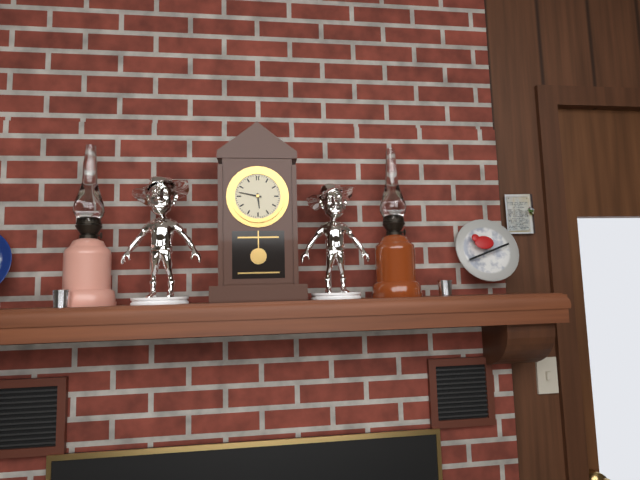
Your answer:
**5:47**
